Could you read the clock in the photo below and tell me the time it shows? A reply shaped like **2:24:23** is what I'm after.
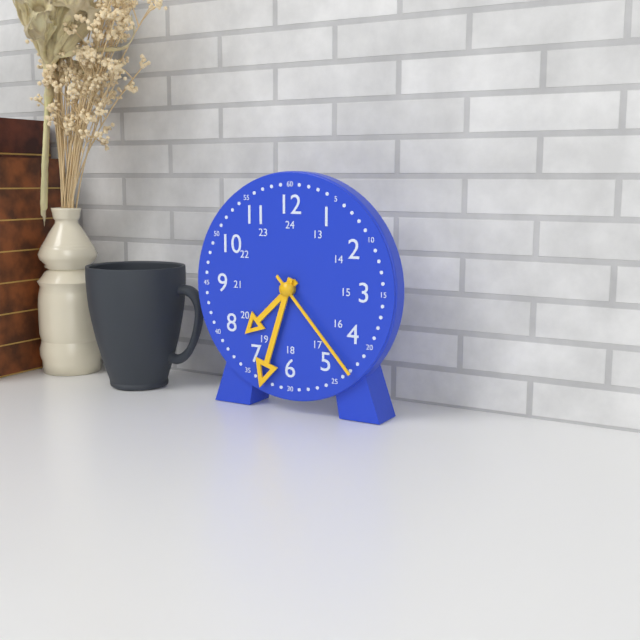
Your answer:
**7:33:23**
